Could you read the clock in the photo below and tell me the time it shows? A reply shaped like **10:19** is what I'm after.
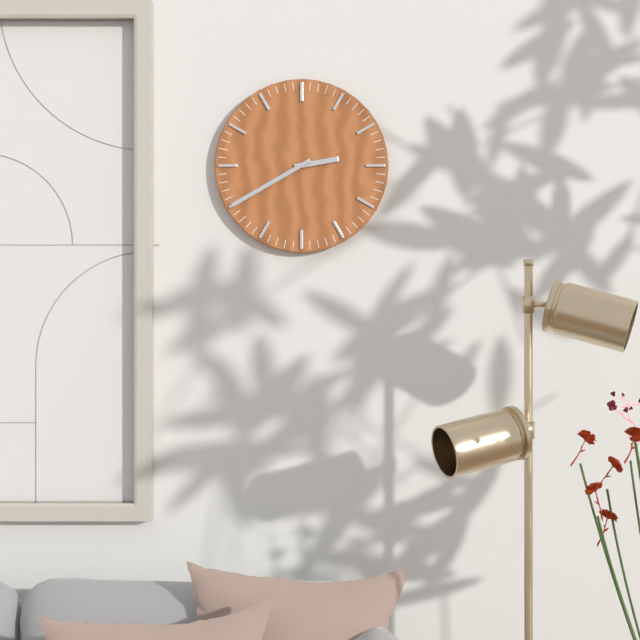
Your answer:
**2:40**
